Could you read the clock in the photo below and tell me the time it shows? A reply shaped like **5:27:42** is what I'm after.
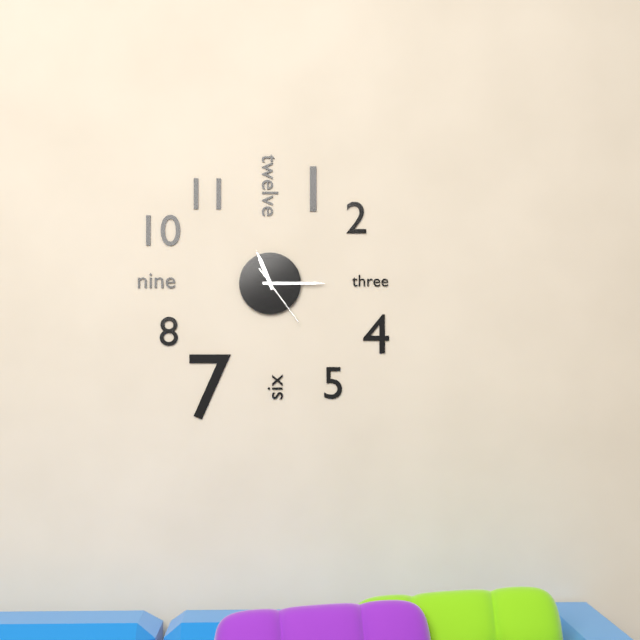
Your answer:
**11:15:24**
